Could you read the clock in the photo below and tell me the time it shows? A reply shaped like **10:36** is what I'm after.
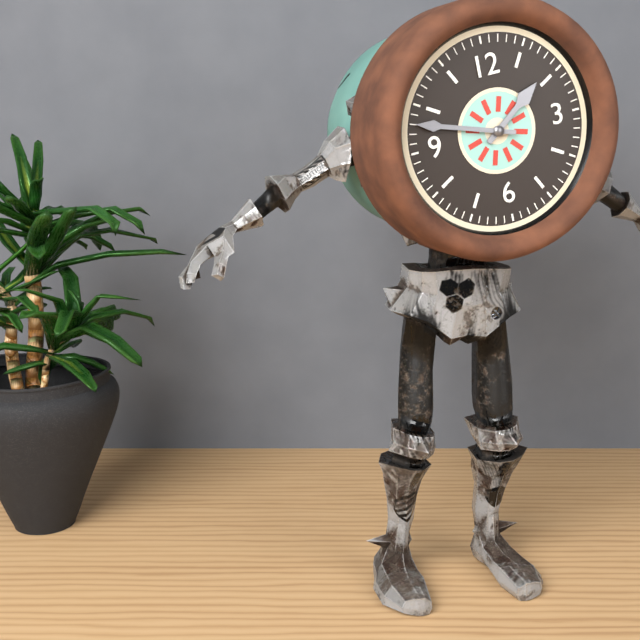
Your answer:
**1:48**
